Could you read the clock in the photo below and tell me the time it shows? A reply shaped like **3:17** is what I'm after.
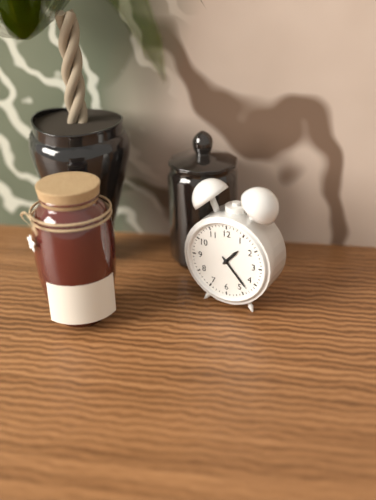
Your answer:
**1:23**
